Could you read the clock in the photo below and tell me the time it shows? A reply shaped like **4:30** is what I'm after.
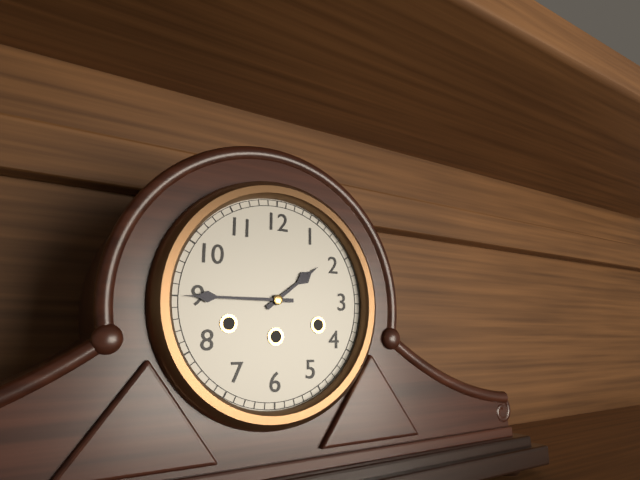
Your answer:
**1:45**
